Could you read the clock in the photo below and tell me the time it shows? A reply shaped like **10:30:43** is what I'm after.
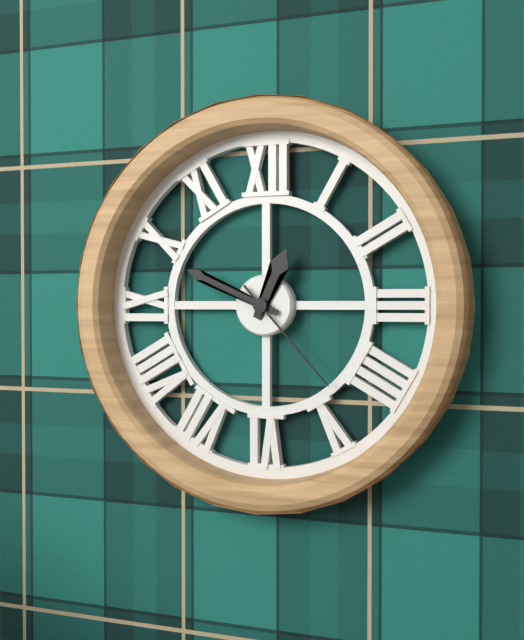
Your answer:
**12:49:23**
